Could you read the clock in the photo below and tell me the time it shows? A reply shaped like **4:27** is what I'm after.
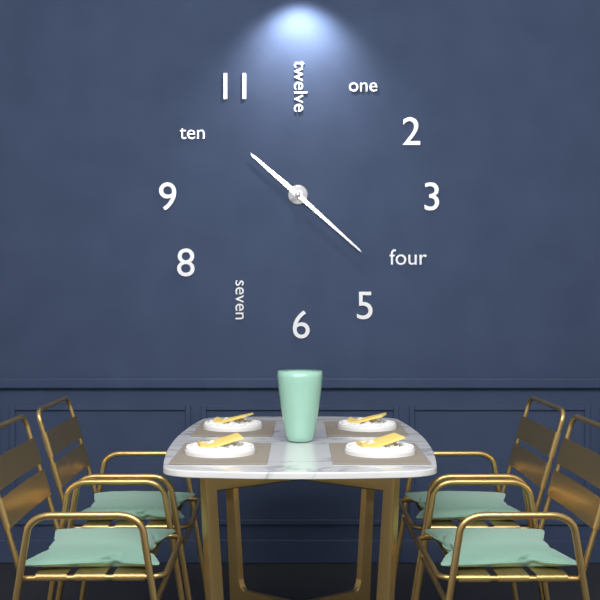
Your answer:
**10:22**
